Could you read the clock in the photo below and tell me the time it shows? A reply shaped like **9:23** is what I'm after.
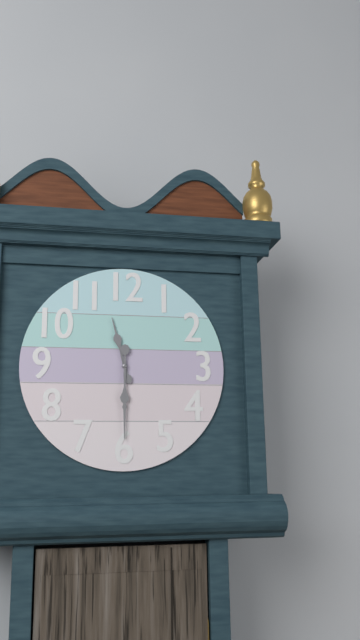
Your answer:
**11:30**
